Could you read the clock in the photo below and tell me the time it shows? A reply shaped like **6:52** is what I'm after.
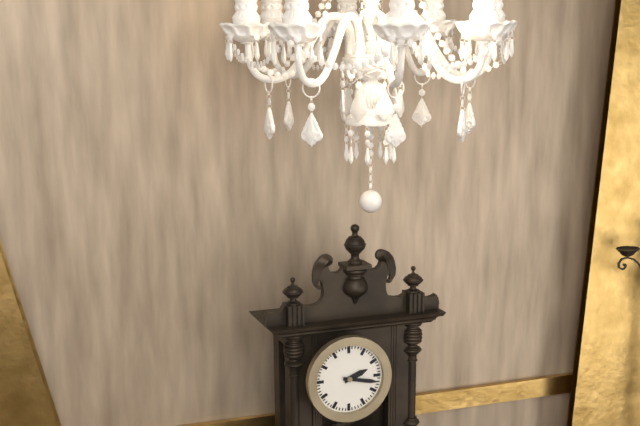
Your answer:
**2:17**
